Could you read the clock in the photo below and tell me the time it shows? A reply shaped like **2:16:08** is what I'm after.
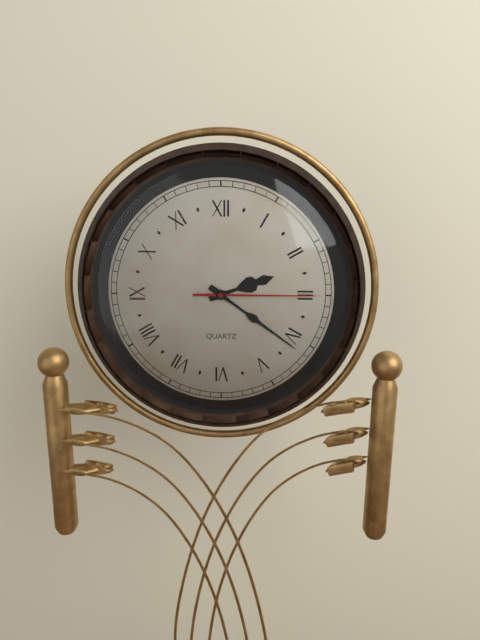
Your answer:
**2:21:15**
